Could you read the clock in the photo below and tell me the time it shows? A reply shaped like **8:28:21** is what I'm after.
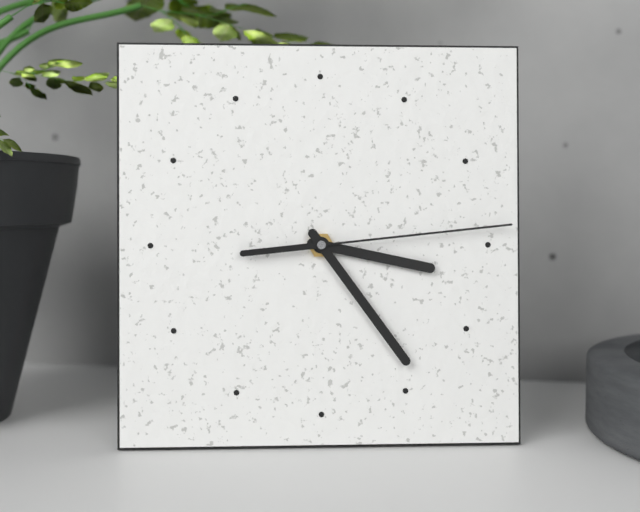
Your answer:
**3:24:14**
